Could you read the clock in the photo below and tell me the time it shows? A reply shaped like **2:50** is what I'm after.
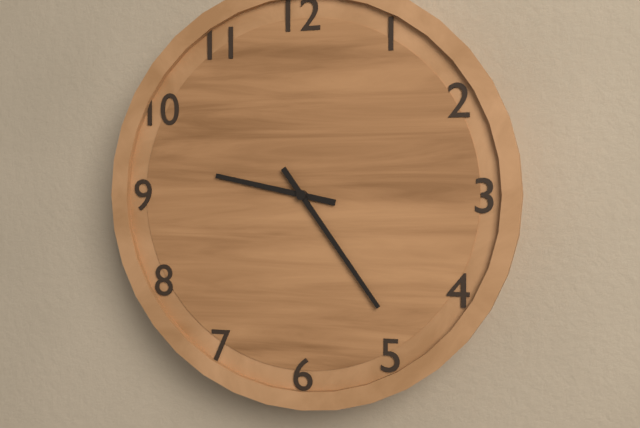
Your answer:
**9:24**
